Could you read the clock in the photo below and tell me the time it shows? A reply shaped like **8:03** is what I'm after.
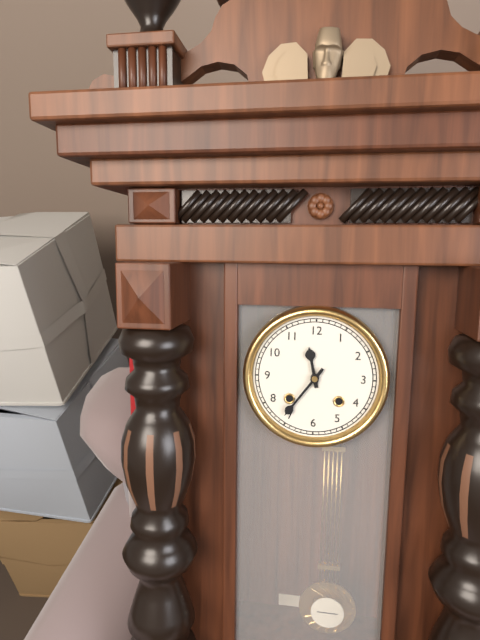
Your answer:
**11:36**
